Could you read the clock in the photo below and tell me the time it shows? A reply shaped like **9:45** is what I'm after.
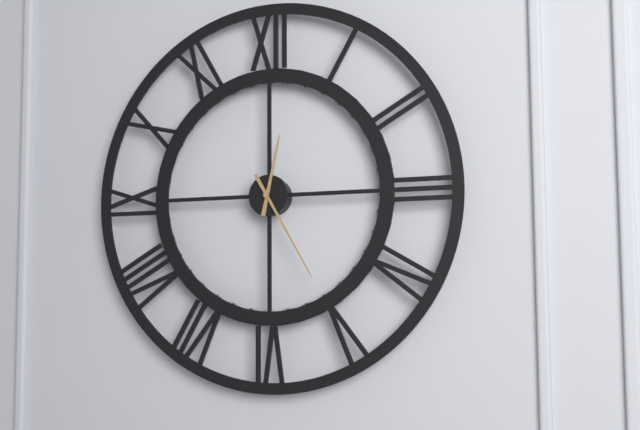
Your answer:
**12:25**
